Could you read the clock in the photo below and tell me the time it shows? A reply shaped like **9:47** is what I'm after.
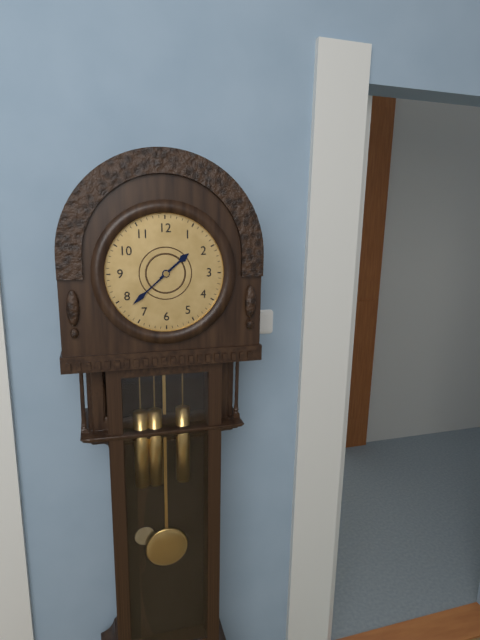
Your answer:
**1:38**
